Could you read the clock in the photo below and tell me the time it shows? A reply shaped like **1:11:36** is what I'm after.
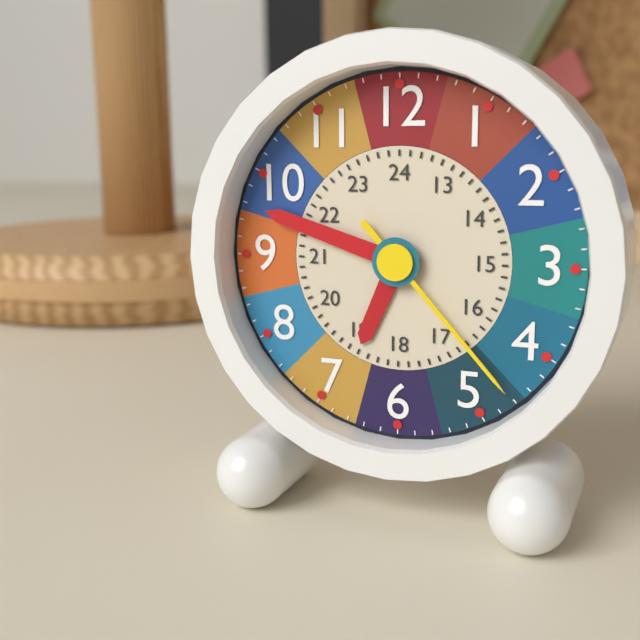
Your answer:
**6:48:23**
